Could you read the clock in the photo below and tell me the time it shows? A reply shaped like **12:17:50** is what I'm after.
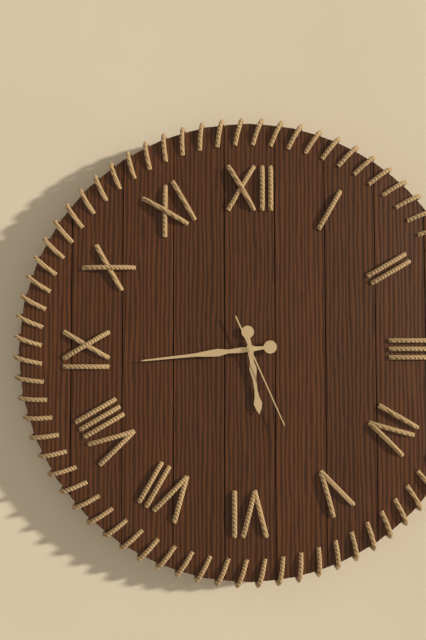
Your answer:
**5:44:26**
